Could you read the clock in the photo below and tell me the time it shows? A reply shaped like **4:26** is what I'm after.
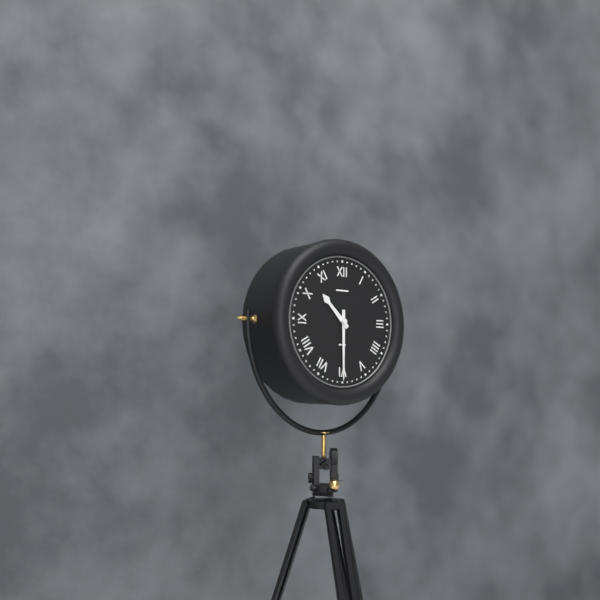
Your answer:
**10:30**
